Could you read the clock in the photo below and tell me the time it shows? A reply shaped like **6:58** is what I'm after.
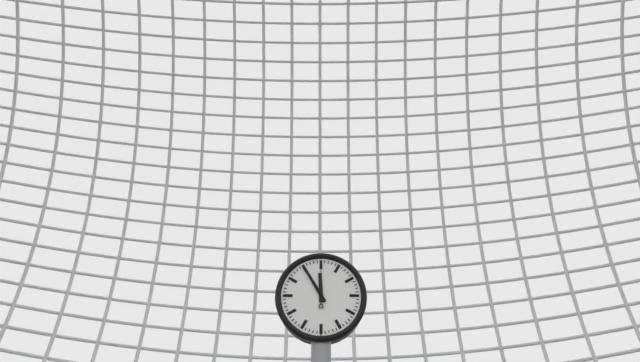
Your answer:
**11:55**
